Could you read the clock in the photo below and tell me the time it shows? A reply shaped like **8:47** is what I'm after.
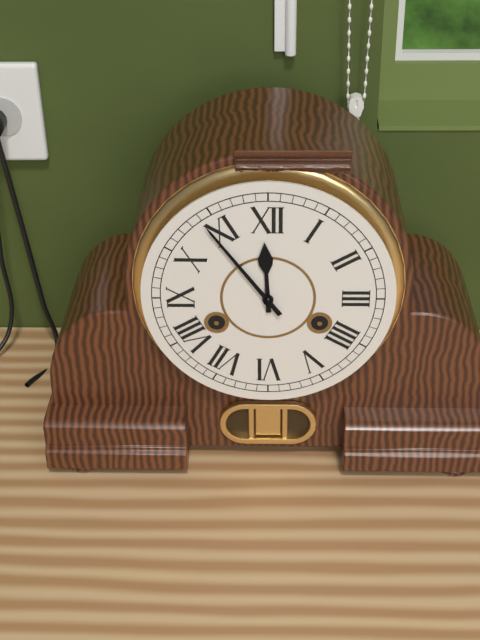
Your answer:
**11:54**
